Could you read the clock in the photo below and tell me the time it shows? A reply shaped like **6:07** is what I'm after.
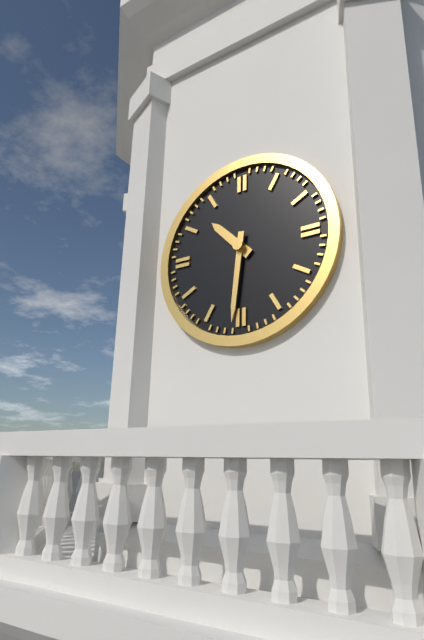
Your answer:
**10:31**
